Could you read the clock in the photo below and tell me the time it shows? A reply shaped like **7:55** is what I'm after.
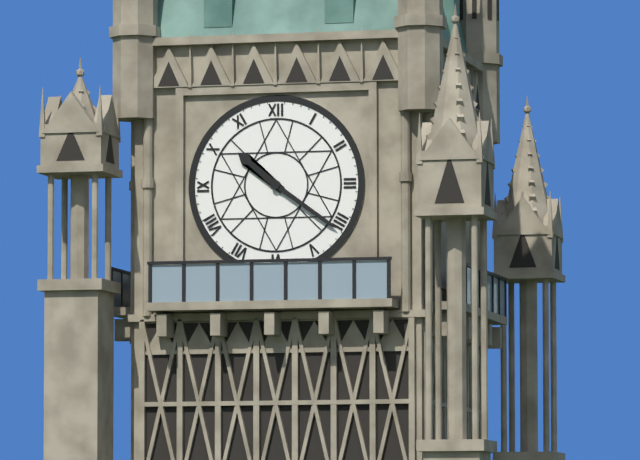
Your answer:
**10:21**
